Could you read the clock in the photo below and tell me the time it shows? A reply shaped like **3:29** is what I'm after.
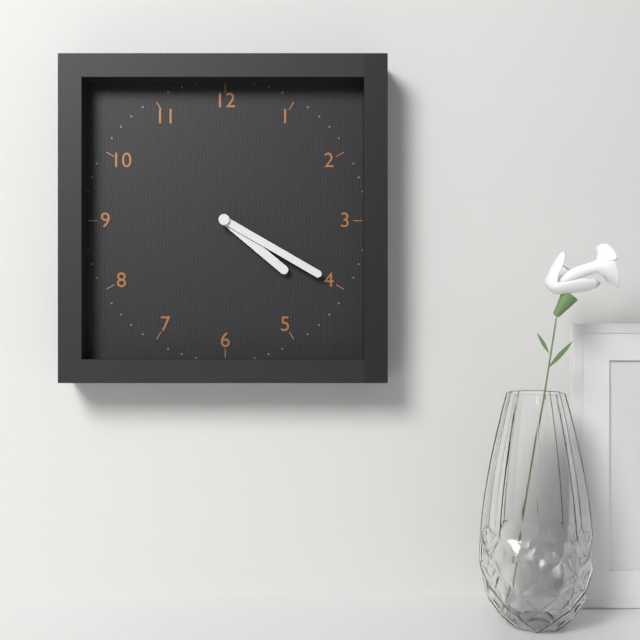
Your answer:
**4:20**
